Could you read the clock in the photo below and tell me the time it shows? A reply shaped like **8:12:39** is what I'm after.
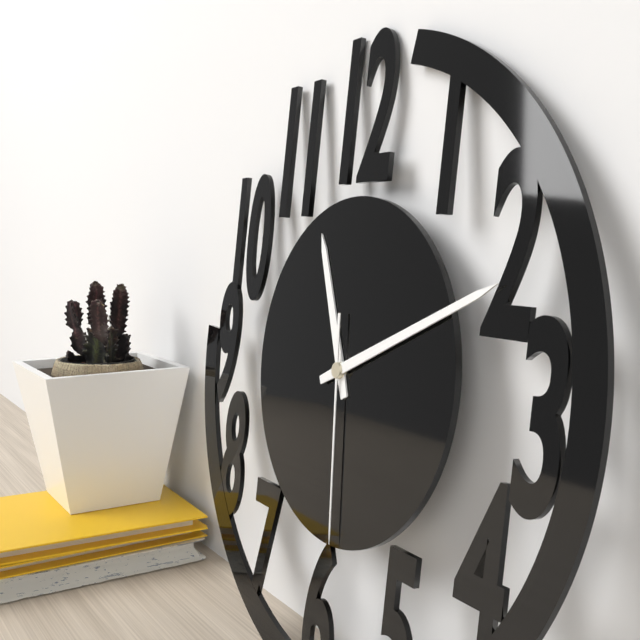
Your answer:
**11:11:29**
